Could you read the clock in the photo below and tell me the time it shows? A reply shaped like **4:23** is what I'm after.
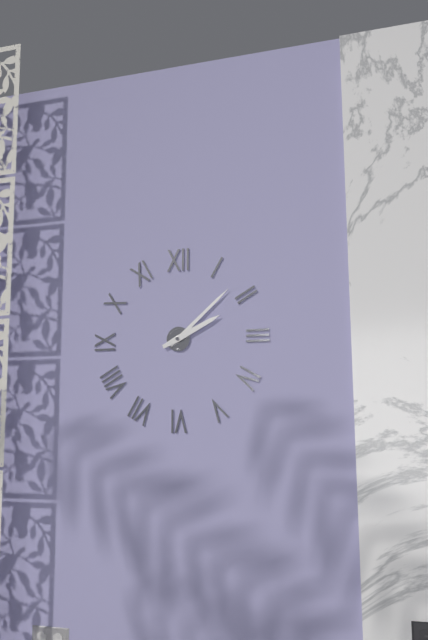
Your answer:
**2:08**
